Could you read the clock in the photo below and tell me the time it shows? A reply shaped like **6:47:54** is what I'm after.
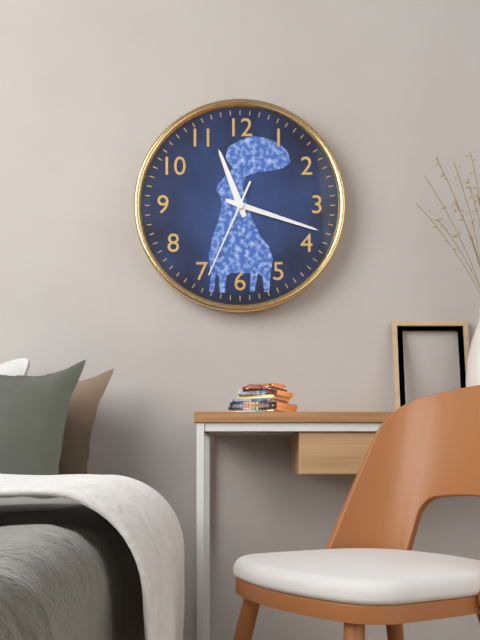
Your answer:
**11:18:34**
